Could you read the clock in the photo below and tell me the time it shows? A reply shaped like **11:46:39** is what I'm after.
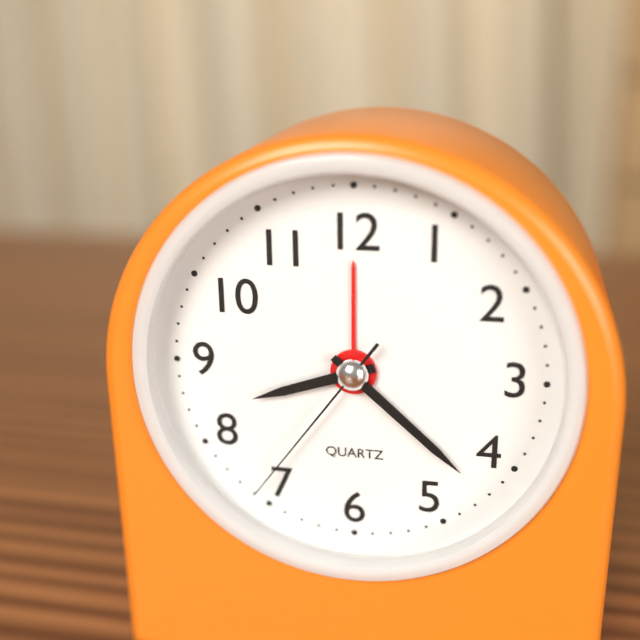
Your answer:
**8:22:36**
